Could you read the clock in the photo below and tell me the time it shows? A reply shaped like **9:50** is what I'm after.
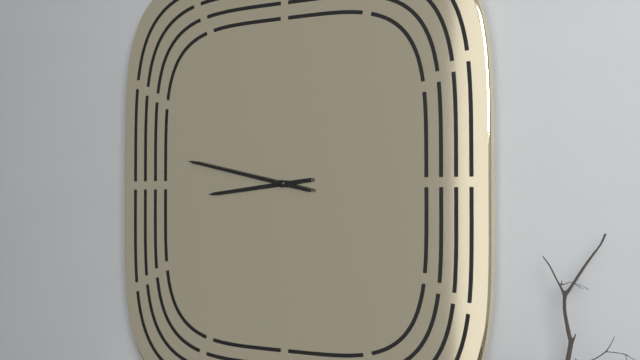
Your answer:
**8:47**
